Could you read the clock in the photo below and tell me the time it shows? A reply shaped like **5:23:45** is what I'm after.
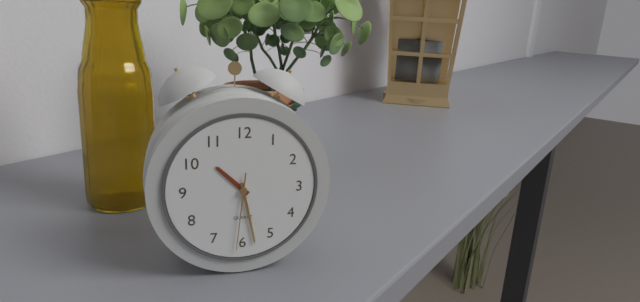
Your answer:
**10:28:31**
